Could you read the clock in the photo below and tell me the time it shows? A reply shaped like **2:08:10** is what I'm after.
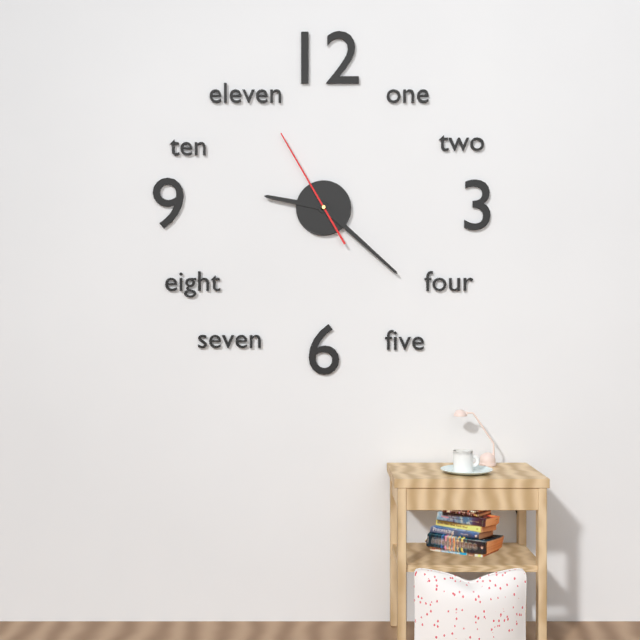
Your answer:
**9:22:55**
